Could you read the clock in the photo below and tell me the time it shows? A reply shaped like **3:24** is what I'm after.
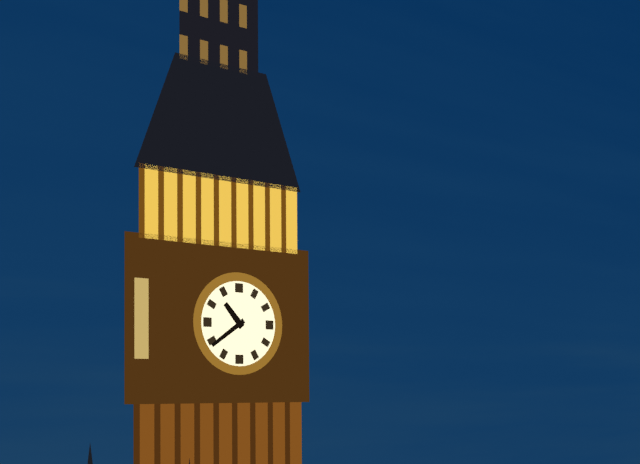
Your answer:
**10:39**
